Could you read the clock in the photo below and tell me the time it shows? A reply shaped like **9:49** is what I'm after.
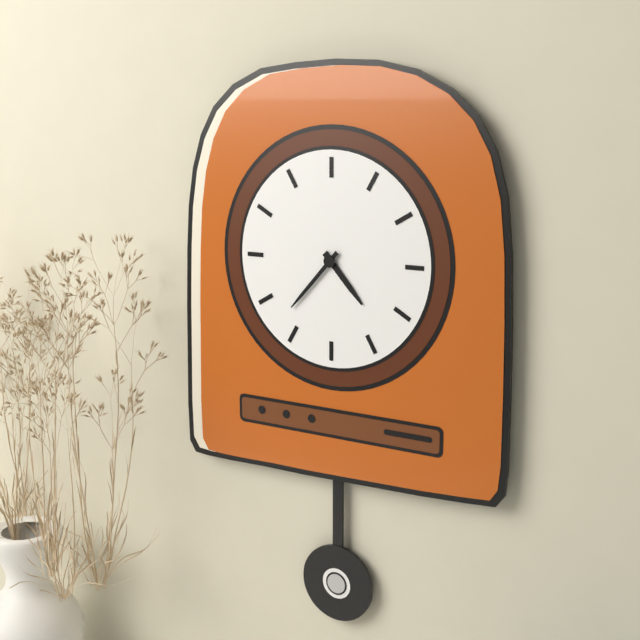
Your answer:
**4:37**
